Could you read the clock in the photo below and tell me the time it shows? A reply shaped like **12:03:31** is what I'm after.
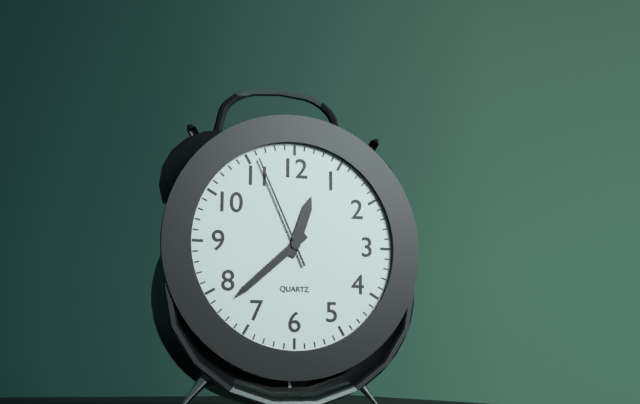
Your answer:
**12:38:56**
